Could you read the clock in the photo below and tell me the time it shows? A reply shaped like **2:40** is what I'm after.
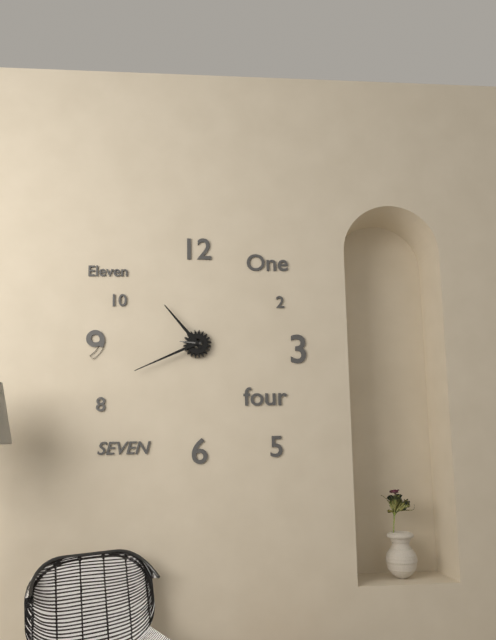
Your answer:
**10:41**
